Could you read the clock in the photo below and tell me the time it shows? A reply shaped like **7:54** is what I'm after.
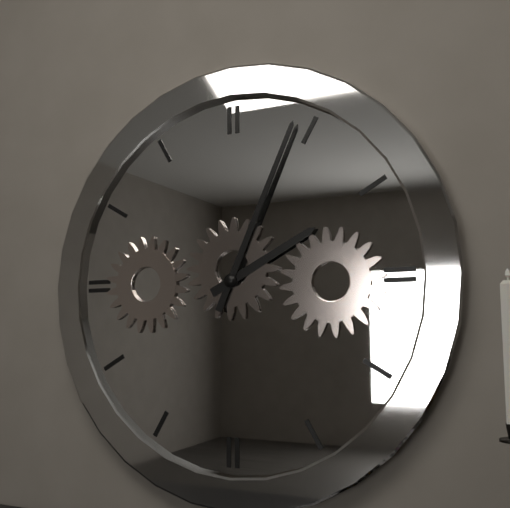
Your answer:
**2:04**
